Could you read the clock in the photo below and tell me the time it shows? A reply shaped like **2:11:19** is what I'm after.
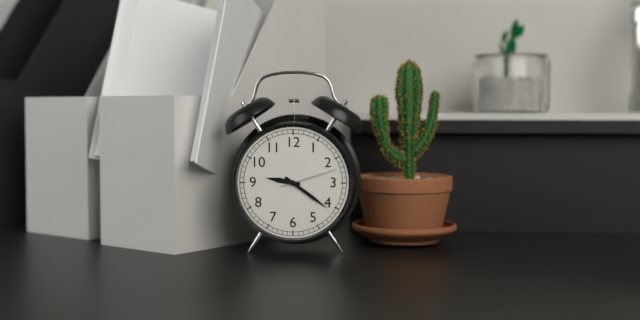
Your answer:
**9:21:12**
